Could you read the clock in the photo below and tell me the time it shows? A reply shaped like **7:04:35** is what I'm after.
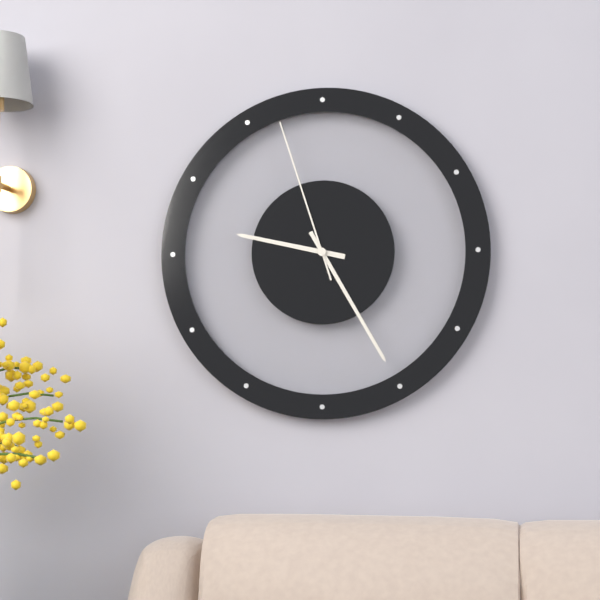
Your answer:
**9:25:57**
